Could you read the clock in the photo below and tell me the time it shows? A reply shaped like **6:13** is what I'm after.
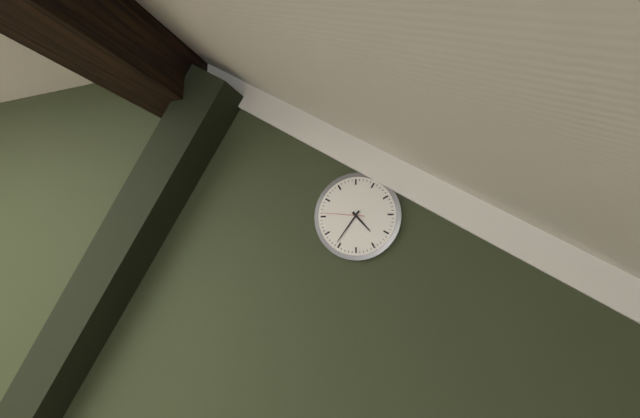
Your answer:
**4:36**
